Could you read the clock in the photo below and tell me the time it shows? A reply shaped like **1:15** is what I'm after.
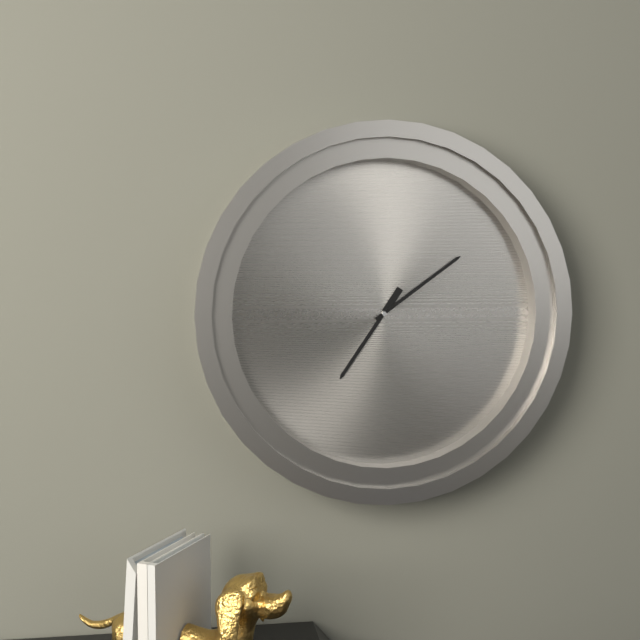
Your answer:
**7:09**
